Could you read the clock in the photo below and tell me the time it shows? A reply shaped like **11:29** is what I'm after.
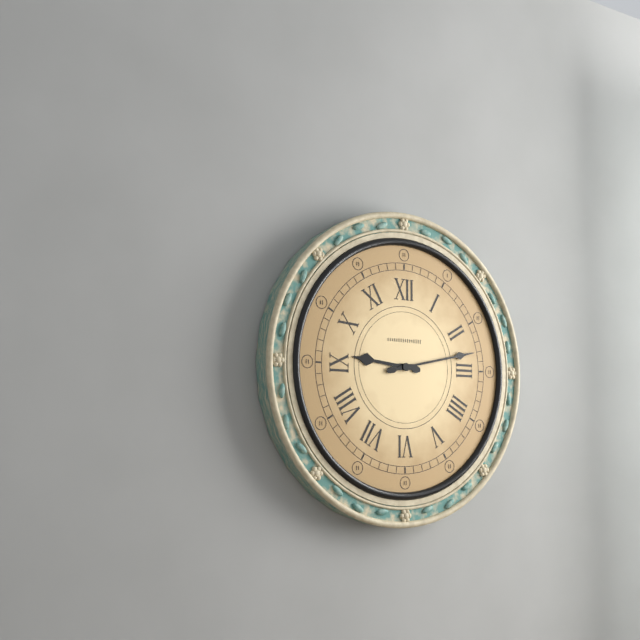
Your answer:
**9:13**
